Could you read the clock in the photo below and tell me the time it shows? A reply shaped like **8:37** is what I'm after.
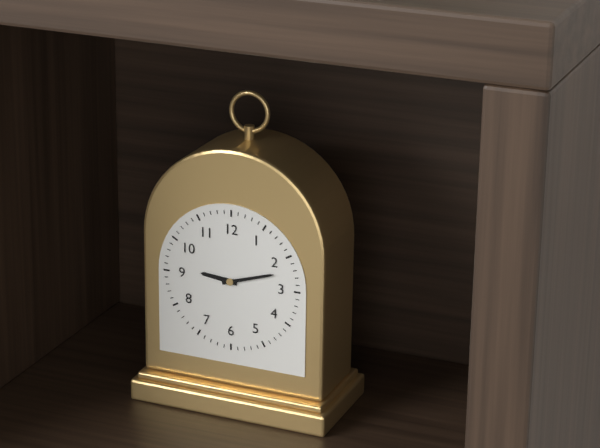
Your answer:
**9:12**
